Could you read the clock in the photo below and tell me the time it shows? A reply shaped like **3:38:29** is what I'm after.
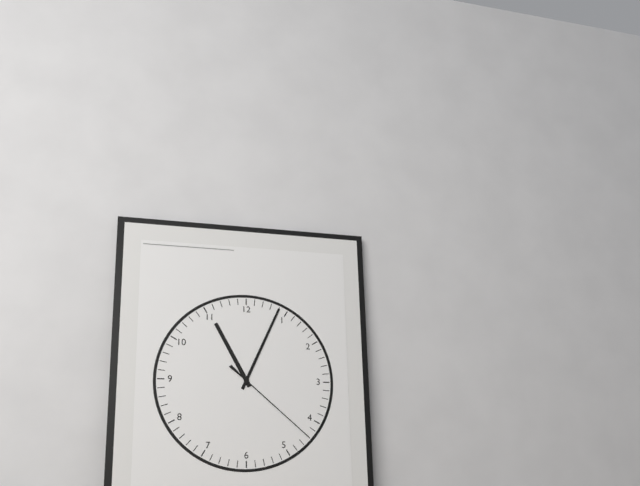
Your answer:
**11:04:22**
